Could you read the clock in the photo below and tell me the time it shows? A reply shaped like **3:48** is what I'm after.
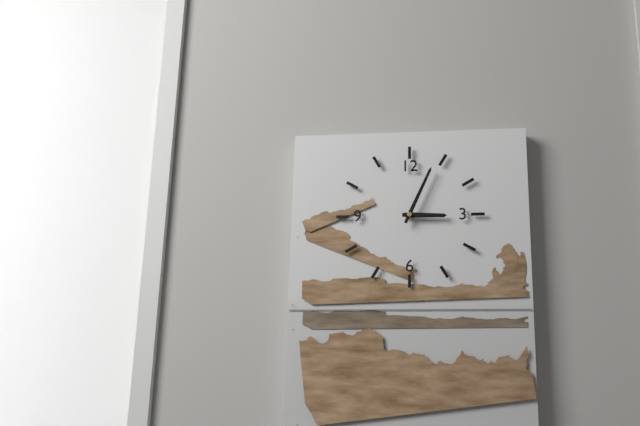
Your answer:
**3:04**
